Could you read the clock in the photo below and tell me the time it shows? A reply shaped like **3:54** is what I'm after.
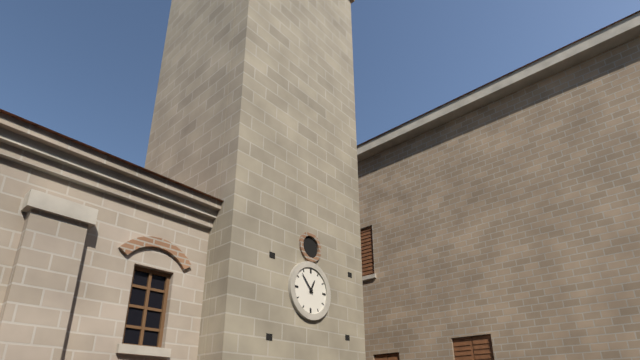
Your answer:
**12:53**
